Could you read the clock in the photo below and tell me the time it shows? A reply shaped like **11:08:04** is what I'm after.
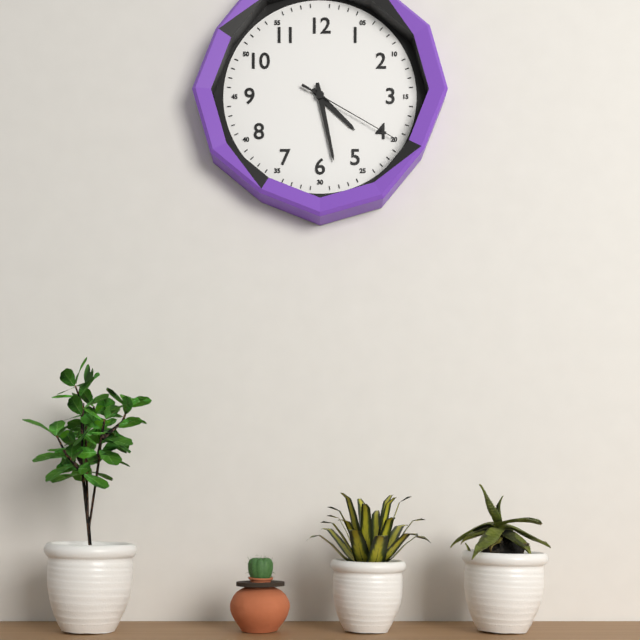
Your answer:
**4:28:20**
